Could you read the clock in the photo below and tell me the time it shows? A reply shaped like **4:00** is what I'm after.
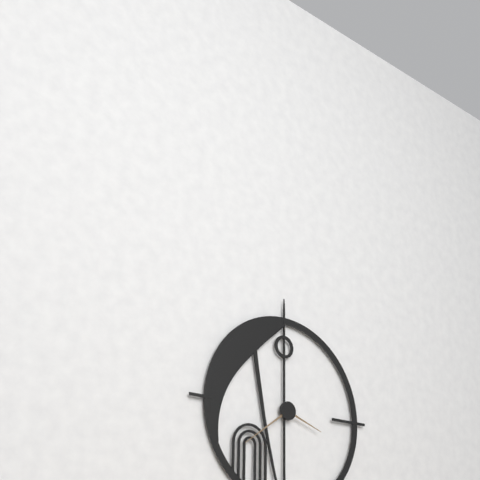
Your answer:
**3:39**
